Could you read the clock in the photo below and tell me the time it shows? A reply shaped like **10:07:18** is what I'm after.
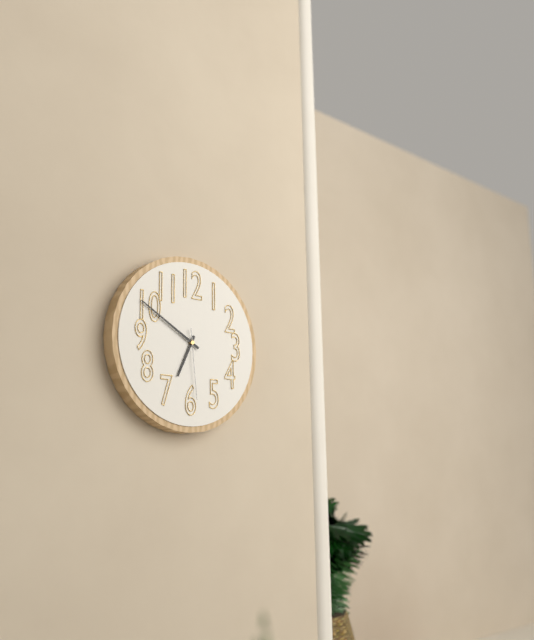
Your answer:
**6:50:29**
